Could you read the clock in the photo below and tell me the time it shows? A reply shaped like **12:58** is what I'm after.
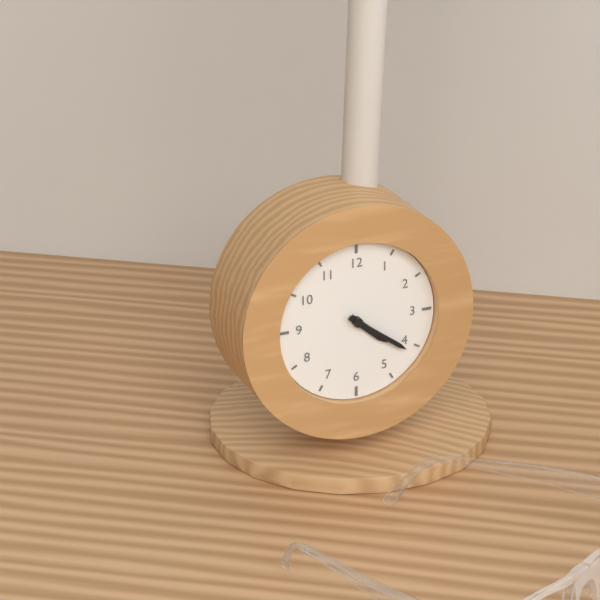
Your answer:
**4:21**
